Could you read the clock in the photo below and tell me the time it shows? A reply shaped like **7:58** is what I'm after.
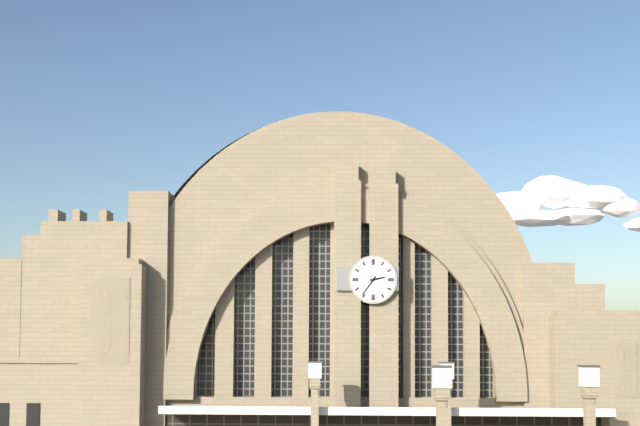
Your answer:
**2:36**
